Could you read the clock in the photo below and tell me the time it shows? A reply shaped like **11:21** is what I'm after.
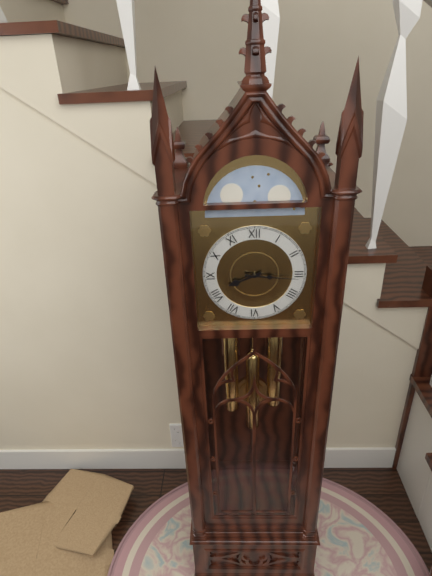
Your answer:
**8:16**
